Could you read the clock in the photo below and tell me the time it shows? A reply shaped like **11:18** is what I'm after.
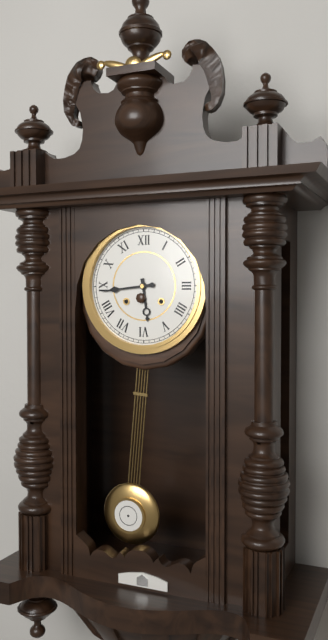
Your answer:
**5:44**
